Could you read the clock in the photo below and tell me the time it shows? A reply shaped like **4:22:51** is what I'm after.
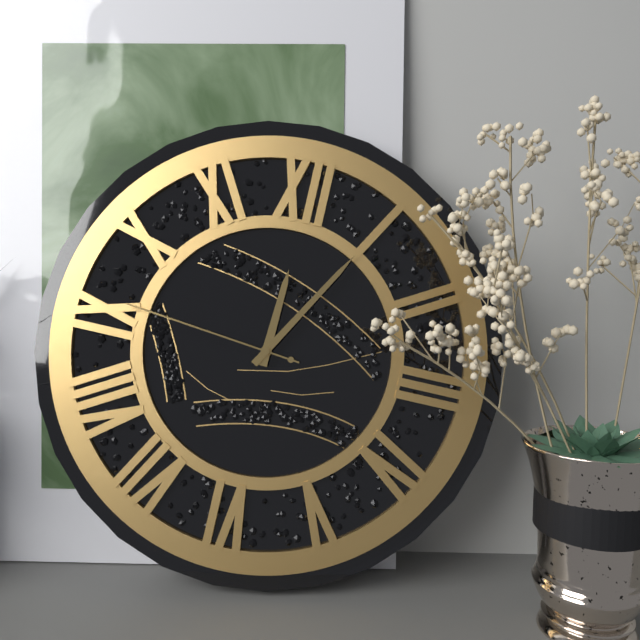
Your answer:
**12:05:46**
